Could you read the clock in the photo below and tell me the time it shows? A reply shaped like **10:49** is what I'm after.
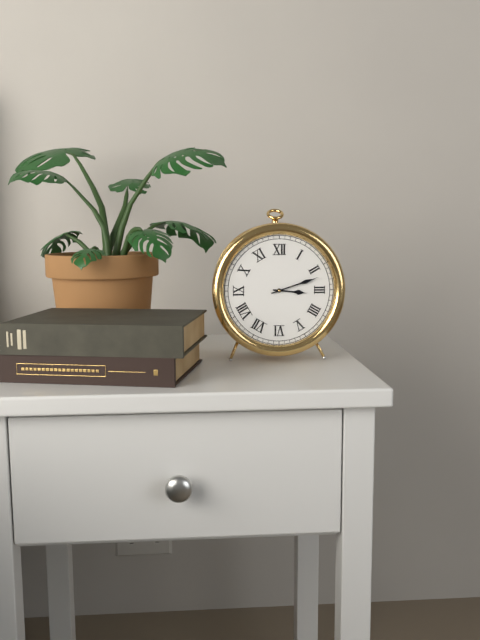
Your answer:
**3:12**
